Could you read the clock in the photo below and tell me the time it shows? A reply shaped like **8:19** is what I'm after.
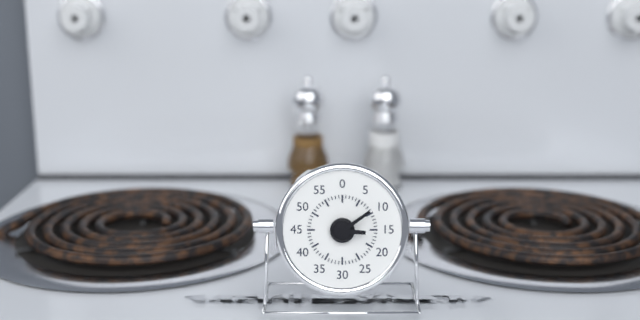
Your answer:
**3:09**
